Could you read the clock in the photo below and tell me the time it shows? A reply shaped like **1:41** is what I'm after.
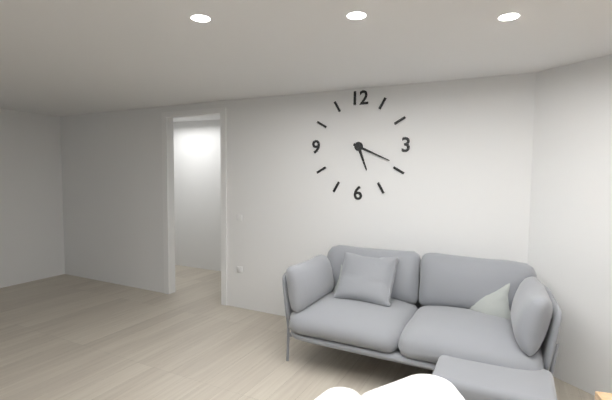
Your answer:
**5:19**
